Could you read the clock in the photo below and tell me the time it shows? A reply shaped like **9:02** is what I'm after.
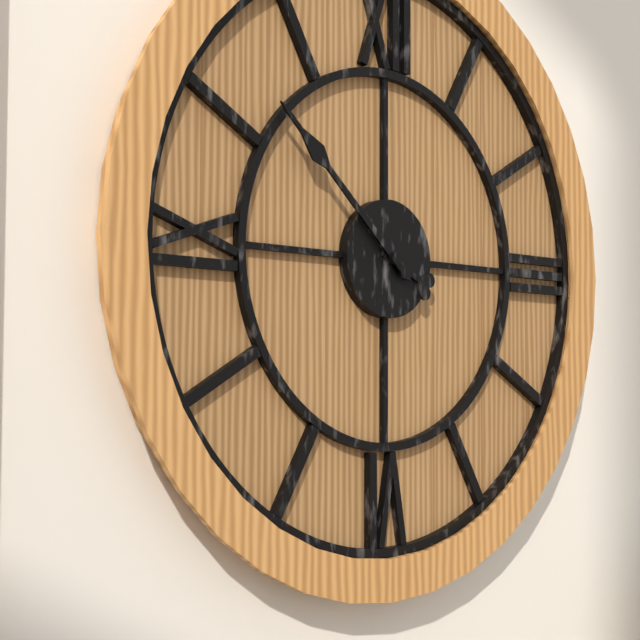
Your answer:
**3:52**
